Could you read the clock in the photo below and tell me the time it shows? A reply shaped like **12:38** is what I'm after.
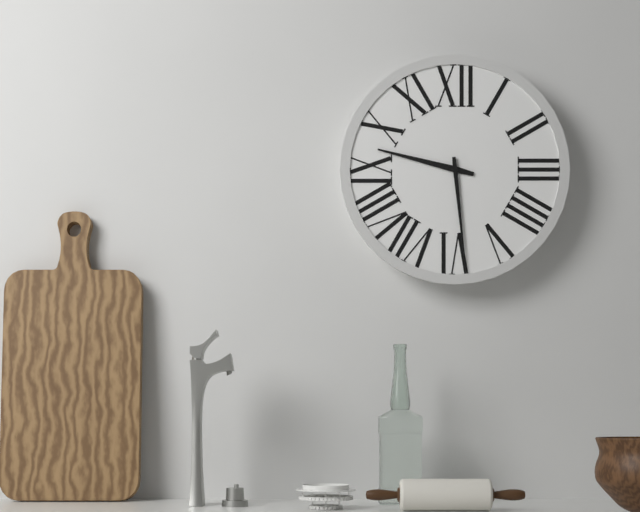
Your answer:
**9:29**
